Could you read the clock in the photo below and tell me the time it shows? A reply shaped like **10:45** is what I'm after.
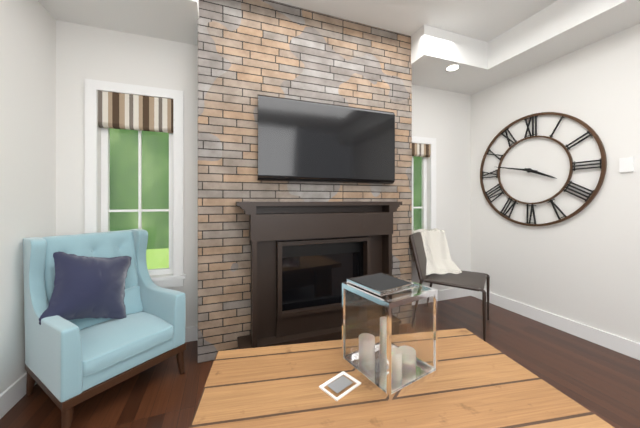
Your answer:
**3:47**
